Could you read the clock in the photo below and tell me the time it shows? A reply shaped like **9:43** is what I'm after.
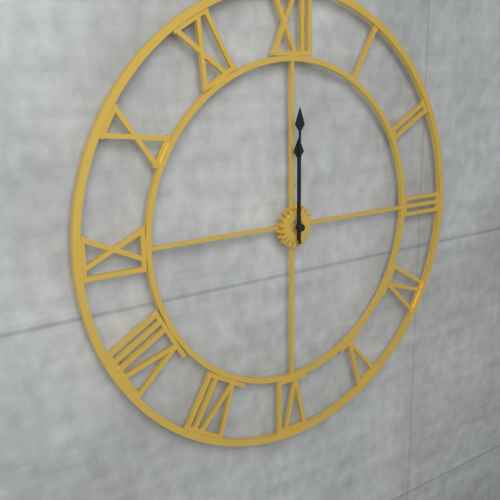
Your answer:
**12:00**
